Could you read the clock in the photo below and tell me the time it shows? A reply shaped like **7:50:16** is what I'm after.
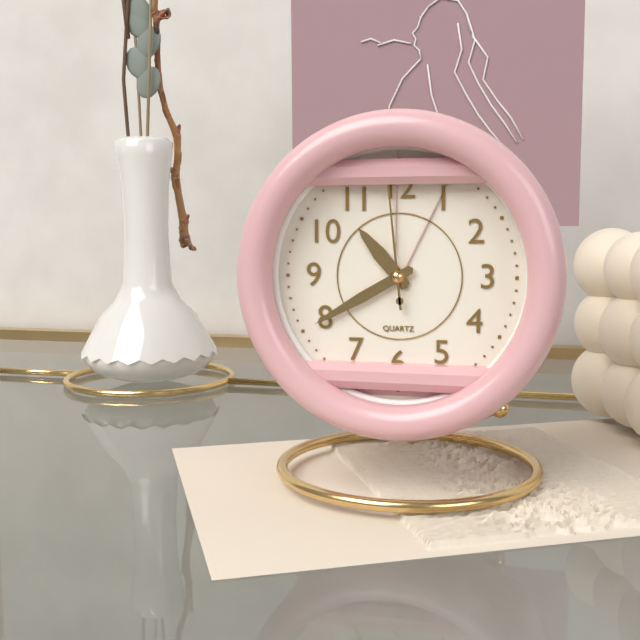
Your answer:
**10:40:59**
